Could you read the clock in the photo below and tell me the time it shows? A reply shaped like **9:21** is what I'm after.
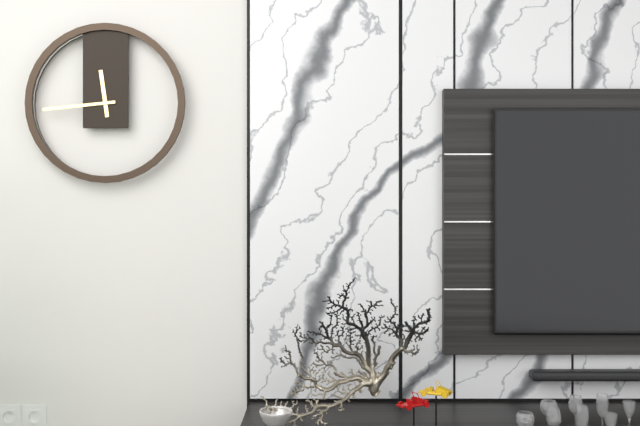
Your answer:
**11:44**
